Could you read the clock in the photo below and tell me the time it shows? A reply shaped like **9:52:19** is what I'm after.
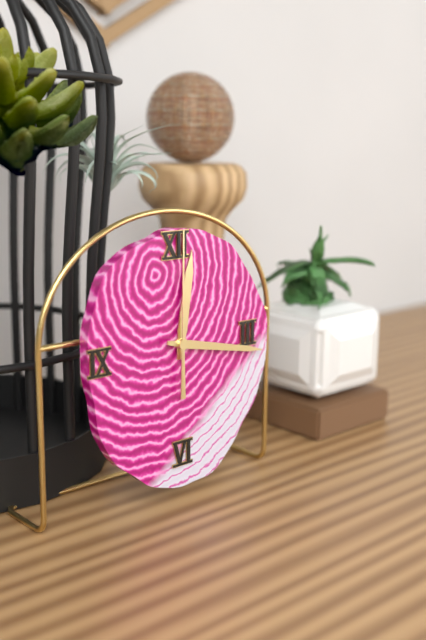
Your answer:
**12:17:00**
